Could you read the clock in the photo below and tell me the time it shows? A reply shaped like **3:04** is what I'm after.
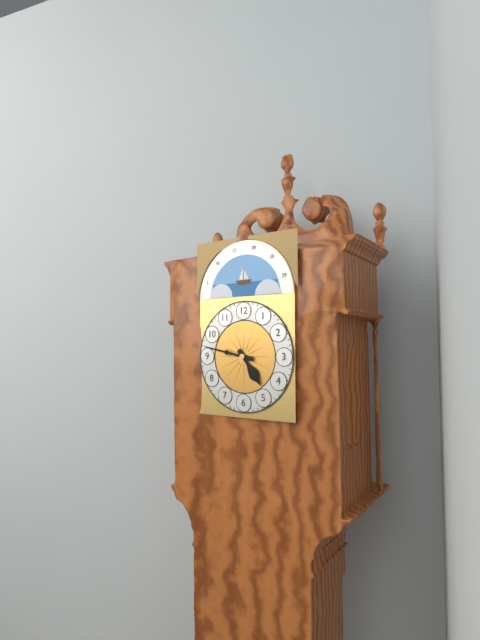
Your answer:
**4:47**
